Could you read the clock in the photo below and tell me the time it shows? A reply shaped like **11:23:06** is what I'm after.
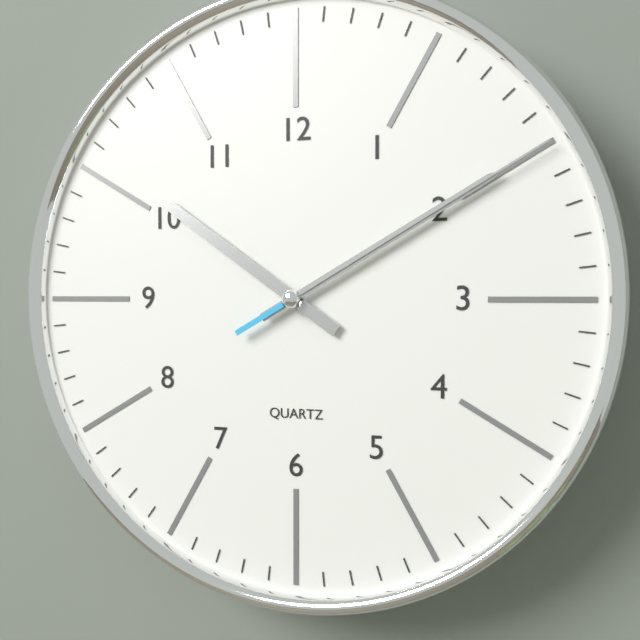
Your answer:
**10:10:10**
